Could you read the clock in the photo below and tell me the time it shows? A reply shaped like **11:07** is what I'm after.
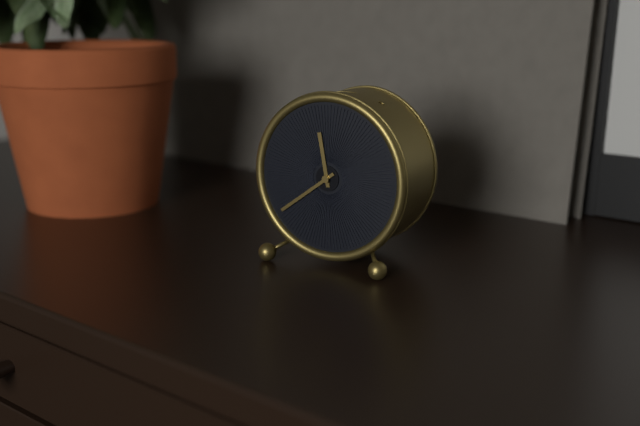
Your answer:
**11:39**
